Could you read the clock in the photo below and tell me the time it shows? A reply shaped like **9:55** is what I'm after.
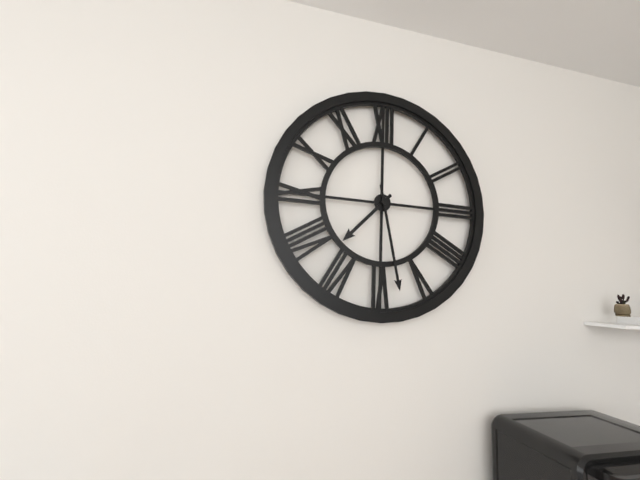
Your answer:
**7:28**
